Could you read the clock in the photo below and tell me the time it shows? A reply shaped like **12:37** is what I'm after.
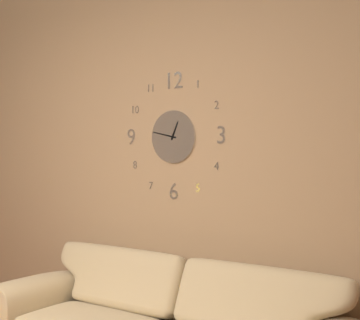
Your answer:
**12:47**
